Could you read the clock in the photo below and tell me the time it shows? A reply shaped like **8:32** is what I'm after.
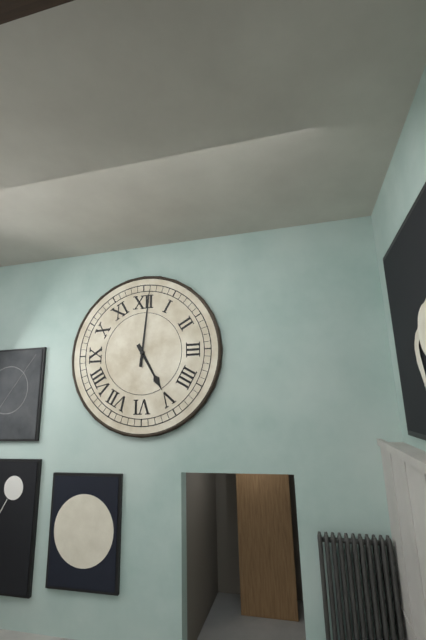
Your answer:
**5:01**
